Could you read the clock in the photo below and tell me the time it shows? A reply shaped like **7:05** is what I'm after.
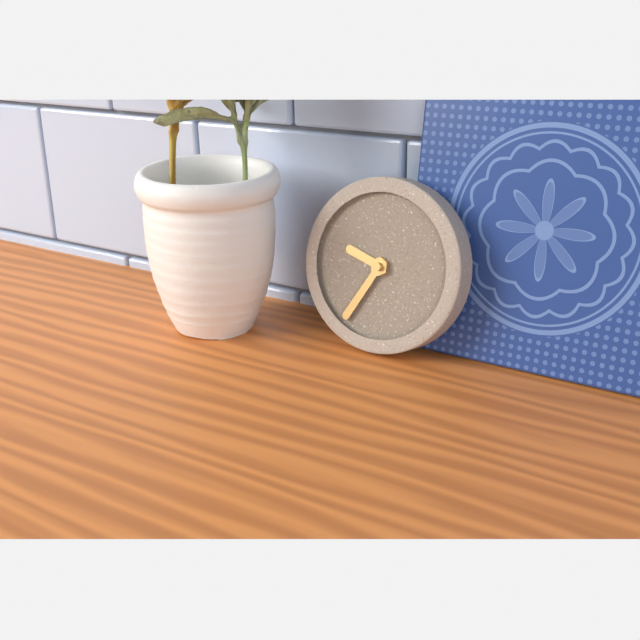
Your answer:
**9:35**
